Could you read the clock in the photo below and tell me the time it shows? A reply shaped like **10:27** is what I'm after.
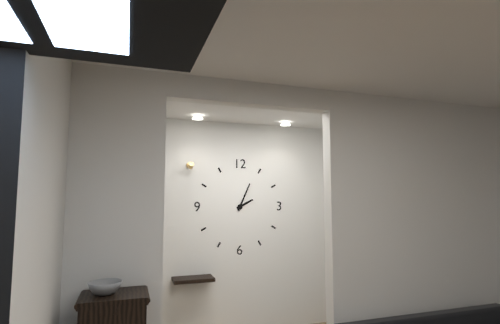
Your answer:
**2:04**
